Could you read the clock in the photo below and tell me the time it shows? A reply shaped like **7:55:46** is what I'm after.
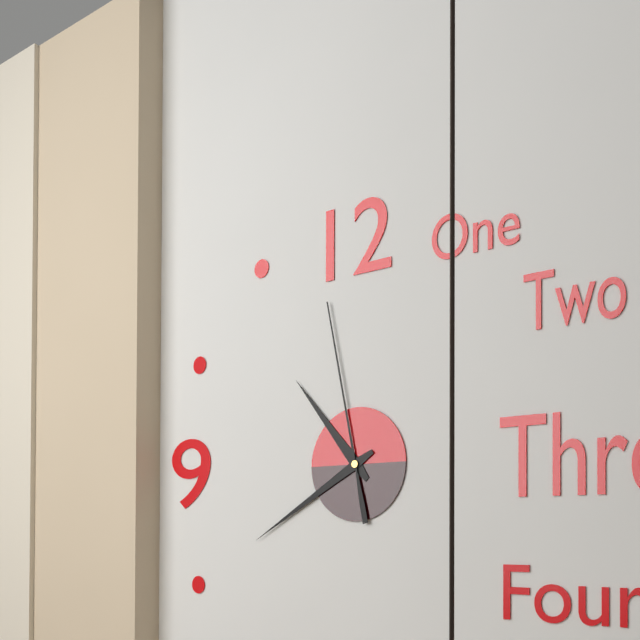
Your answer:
**10:40:58**
